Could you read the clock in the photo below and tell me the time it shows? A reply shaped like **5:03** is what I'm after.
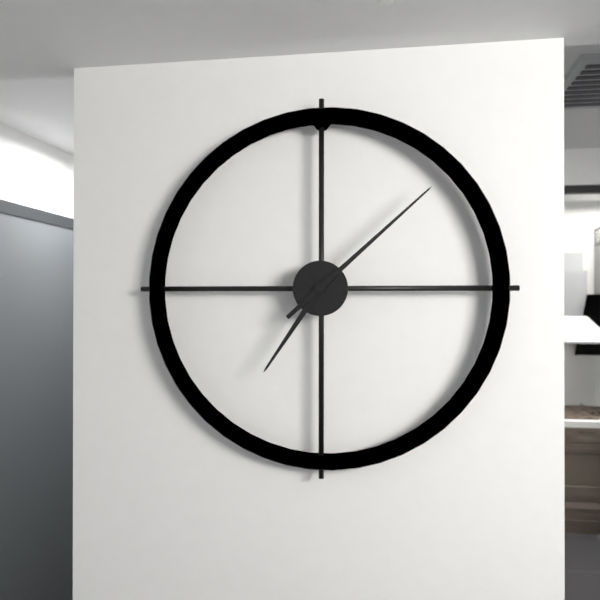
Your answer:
**7:08**
